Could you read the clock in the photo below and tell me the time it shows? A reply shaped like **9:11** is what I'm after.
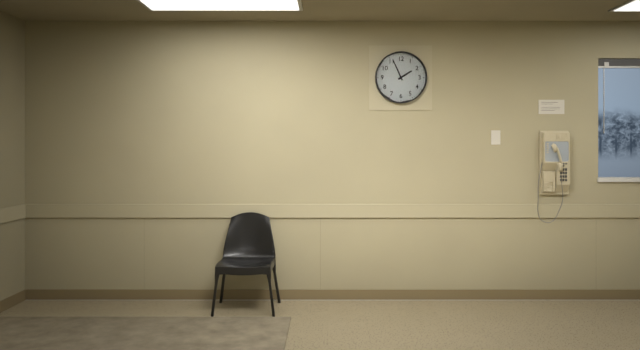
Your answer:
**1:56**
